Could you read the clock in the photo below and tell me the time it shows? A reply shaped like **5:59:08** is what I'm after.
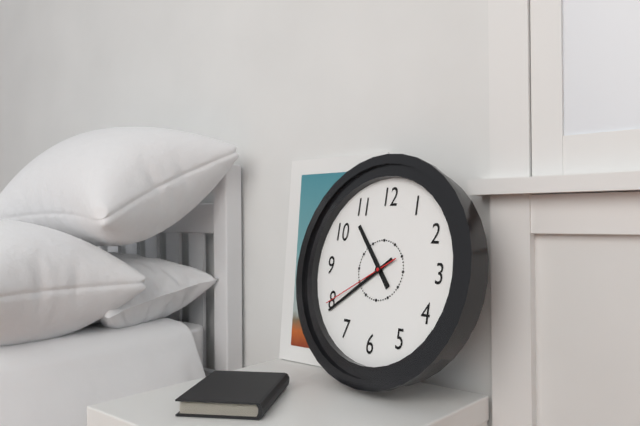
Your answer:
**10:39:40**
